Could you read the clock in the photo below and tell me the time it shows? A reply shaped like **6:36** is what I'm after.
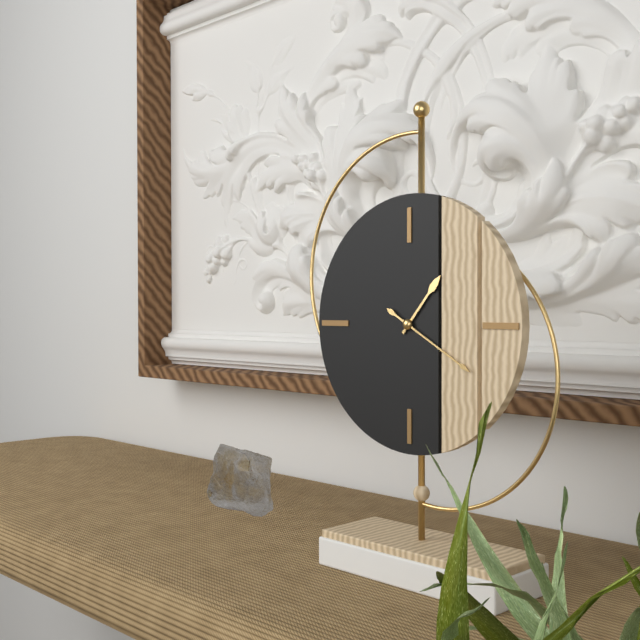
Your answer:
**1:20**
